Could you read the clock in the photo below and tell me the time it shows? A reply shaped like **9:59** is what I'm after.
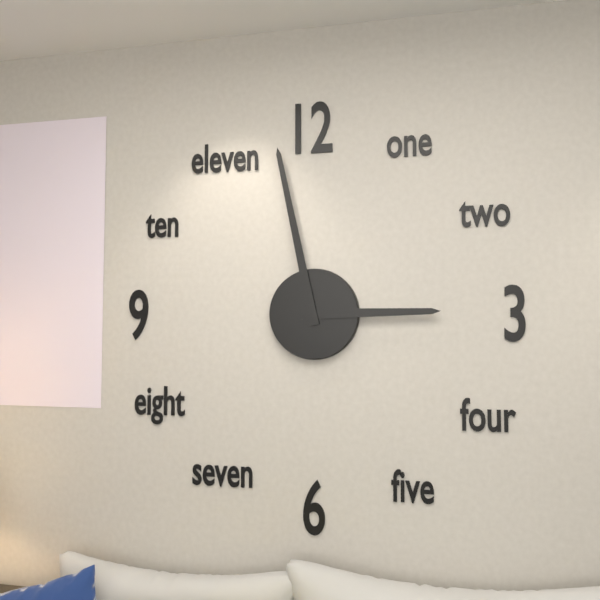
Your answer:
**2:58**
